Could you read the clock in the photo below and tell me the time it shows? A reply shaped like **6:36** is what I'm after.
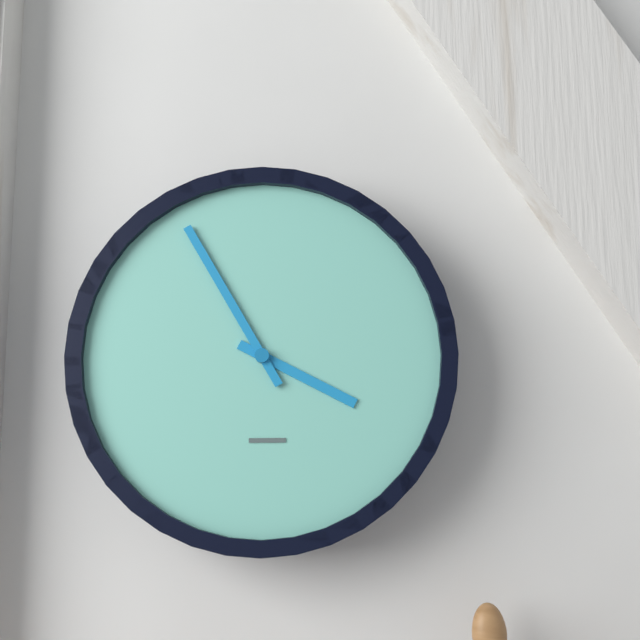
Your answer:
**3:55**
